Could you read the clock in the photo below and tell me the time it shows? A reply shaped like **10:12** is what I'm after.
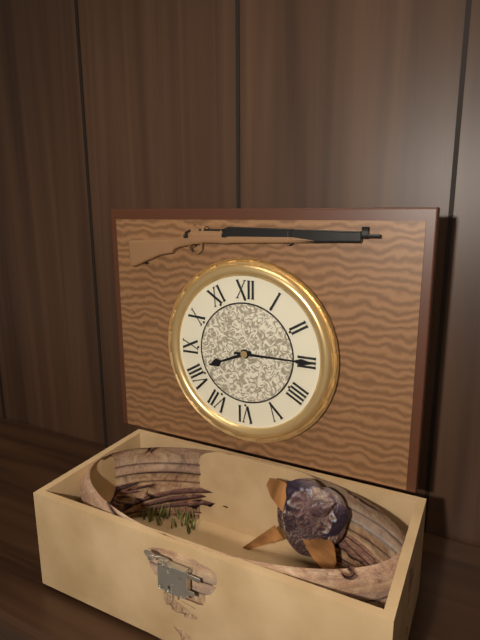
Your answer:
**8:15**
